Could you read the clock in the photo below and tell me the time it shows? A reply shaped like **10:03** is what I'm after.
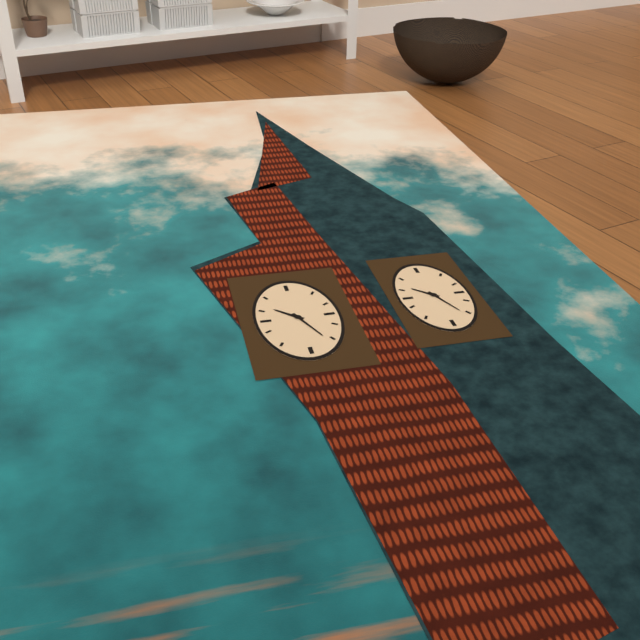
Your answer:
**10:26**
